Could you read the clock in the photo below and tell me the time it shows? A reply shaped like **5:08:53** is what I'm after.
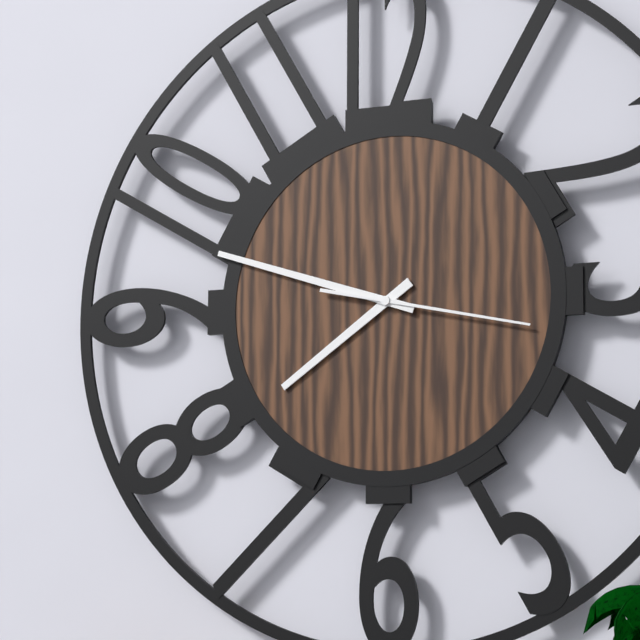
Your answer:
**7:48:17**
